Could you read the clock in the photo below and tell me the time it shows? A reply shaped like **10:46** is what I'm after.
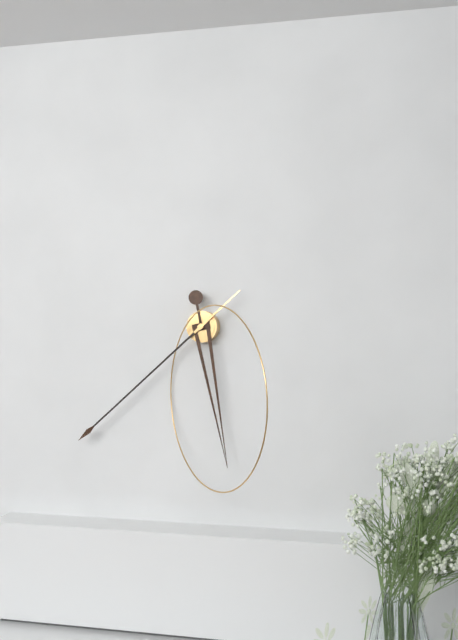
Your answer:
**5:38**
